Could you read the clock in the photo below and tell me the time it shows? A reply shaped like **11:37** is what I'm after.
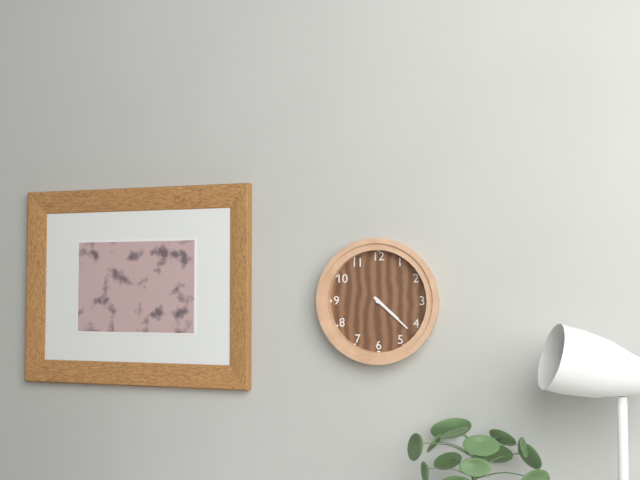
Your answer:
**4:22**
